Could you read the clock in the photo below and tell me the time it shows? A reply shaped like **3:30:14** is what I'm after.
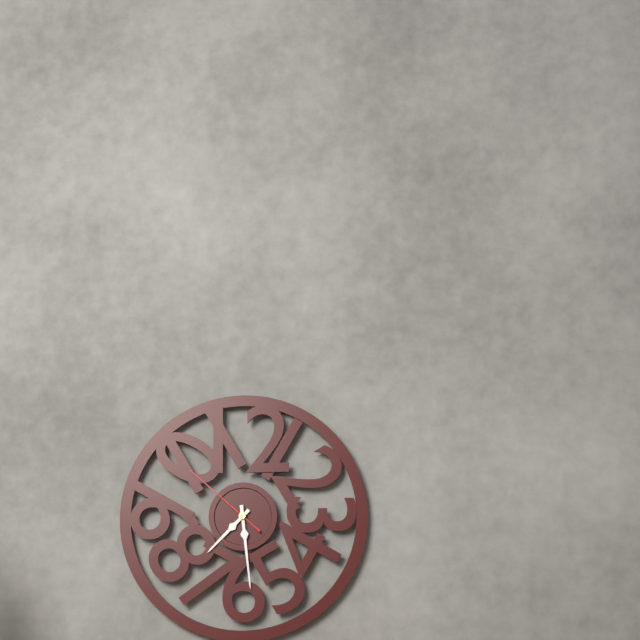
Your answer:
**7:29:52**
